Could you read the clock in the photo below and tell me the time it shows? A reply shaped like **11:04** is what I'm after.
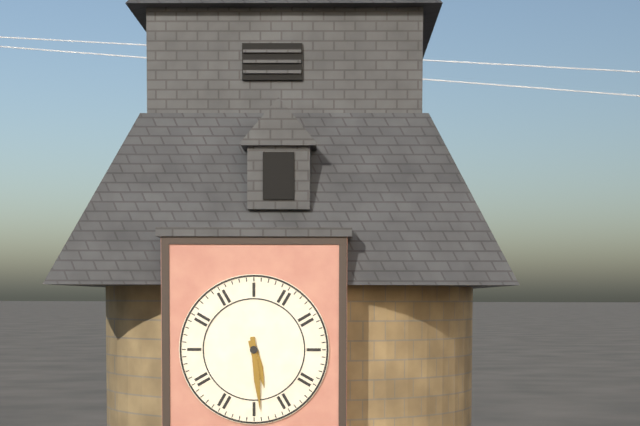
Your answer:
**5:29**
